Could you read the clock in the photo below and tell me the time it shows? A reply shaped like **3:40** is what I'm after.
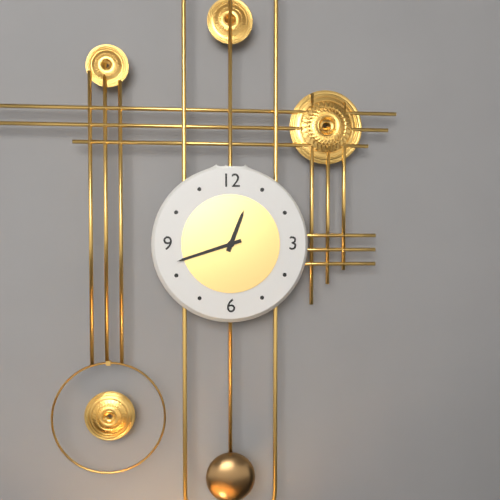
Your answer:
**12:42**
